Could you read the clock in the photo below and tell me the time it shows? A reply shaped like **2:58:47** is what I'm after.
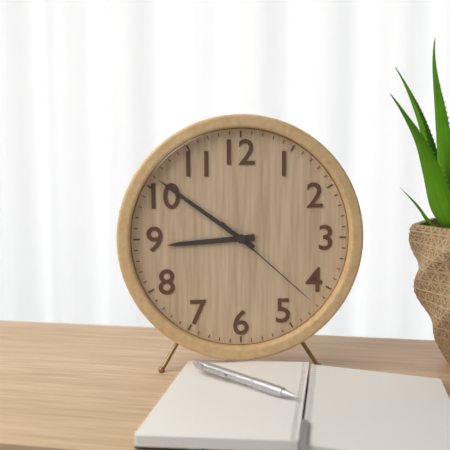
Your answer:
**8:51:22**
